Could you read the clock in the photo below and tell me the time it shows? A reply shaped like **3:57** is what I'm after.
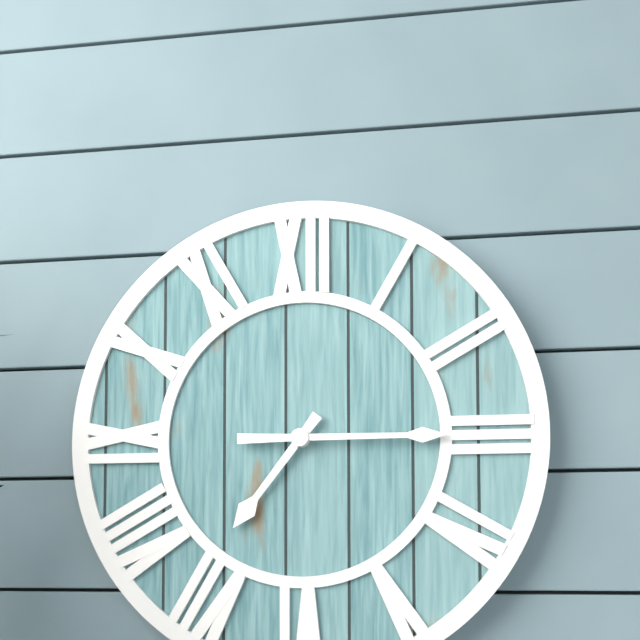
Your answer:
**7:15**
